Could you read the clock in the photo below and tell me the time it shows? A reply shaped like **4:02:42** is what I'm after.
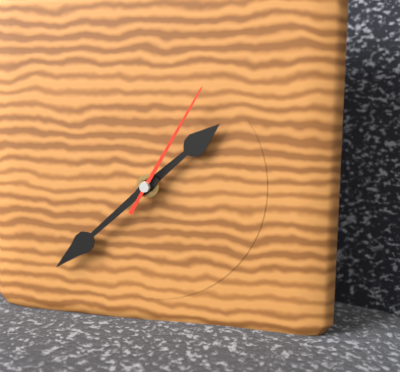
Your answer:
**1:38:05**
